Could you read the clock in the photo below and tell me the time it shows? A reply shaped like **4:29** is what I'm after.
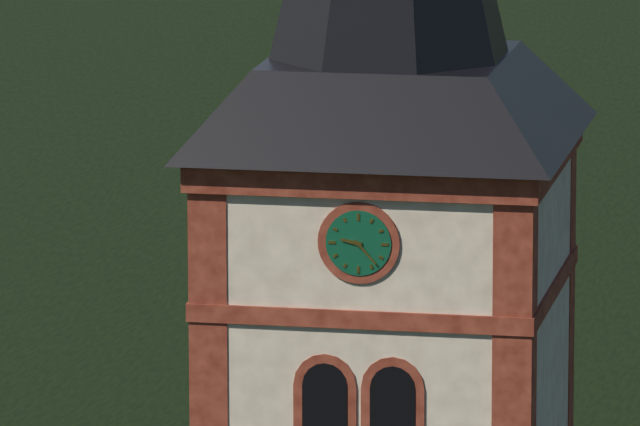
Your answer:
**9:23**
